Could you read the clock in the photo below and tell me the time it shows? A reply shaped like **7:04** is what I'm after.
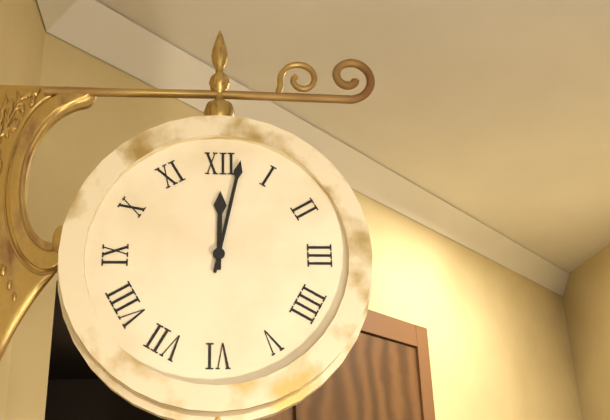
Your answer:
**12:02**
